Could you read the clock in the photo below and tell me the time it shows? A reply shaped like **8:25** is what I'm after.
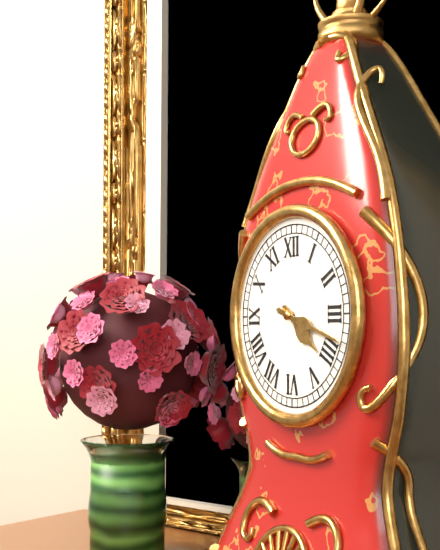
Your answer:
**4:18**
